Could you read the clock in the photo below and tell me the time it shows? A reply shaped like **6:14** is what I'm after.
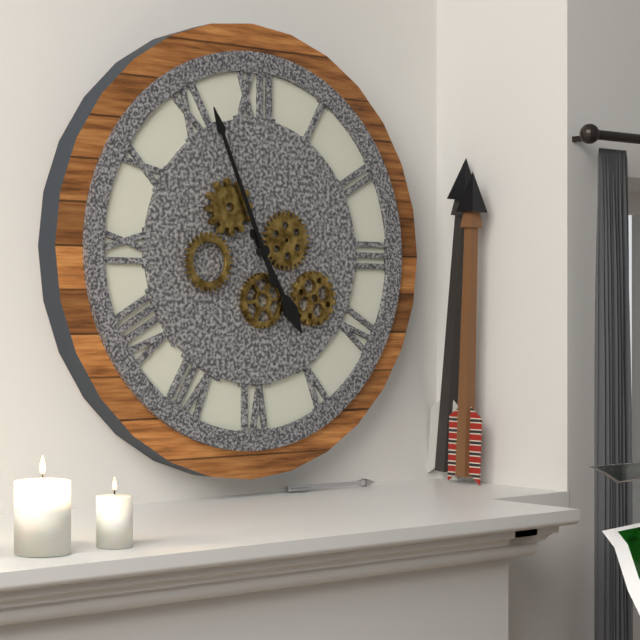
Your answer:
**4:56**
